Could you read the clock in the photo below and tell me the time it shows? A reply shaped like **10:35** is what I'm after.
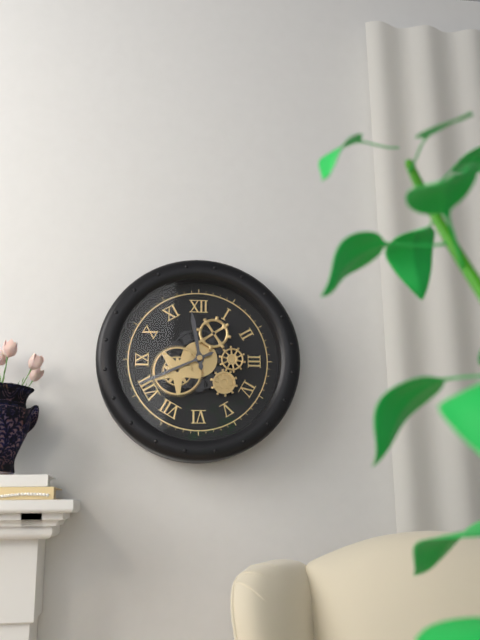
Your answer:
**11:41**
